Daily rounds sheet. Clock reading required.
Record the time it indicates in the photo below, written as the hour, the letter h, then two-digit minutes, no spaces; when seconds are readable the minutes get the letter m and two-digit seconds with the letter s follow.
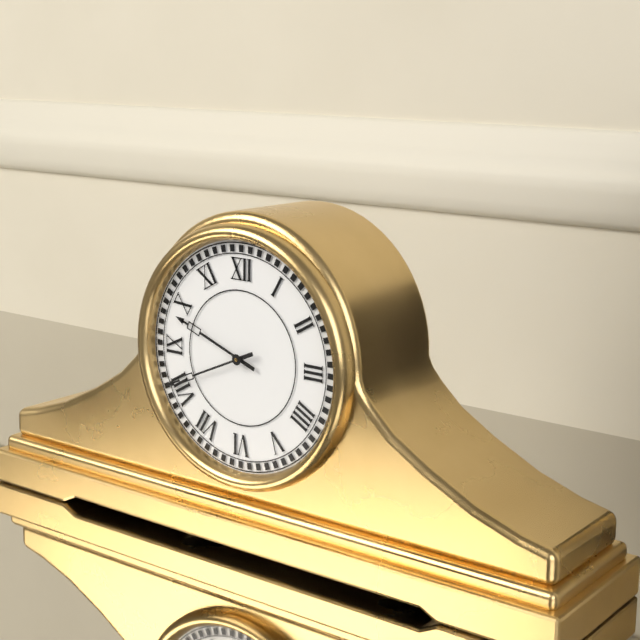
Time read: 9h41
